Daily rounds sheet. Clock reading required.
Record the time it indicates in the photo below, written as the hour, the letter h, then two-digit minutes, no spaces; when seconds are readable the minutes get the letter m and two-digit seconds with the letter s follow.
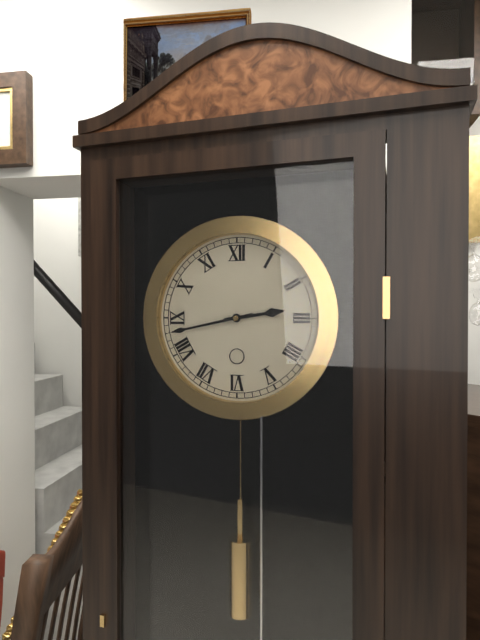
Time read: 2h43
